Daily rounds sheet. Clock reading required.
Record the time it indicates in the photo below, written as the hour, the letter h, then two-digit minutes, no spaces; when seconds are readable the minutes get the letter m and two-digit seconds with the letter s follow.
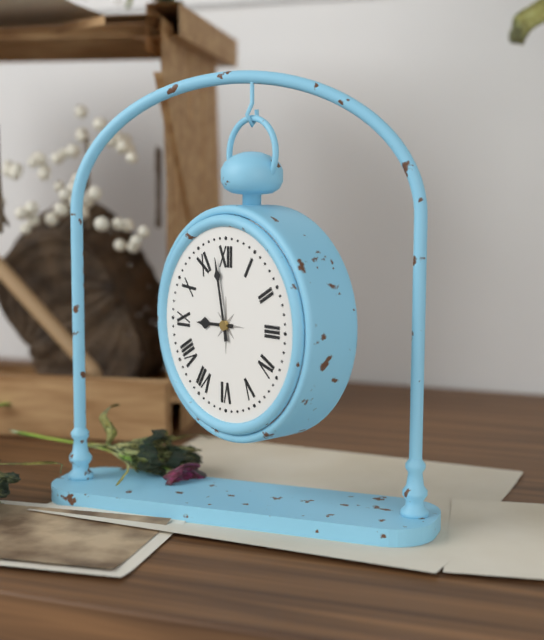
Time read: 8h58
